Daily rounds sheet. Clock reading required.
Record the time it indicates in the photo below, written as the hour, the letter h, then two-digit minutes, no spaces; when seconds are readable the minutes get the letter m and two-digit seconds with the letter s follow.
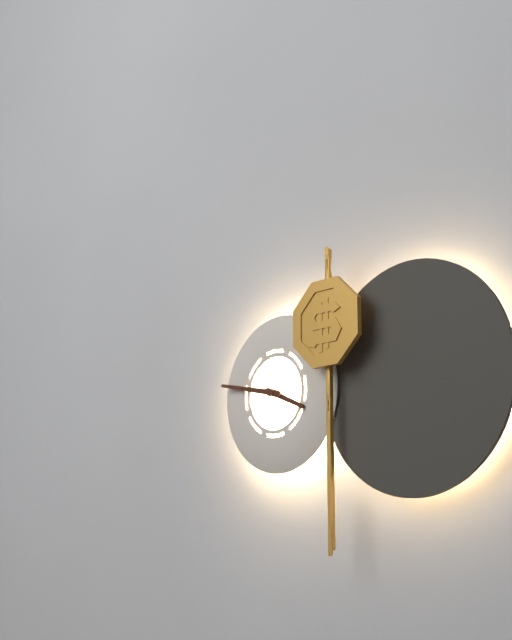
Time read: 3h47
